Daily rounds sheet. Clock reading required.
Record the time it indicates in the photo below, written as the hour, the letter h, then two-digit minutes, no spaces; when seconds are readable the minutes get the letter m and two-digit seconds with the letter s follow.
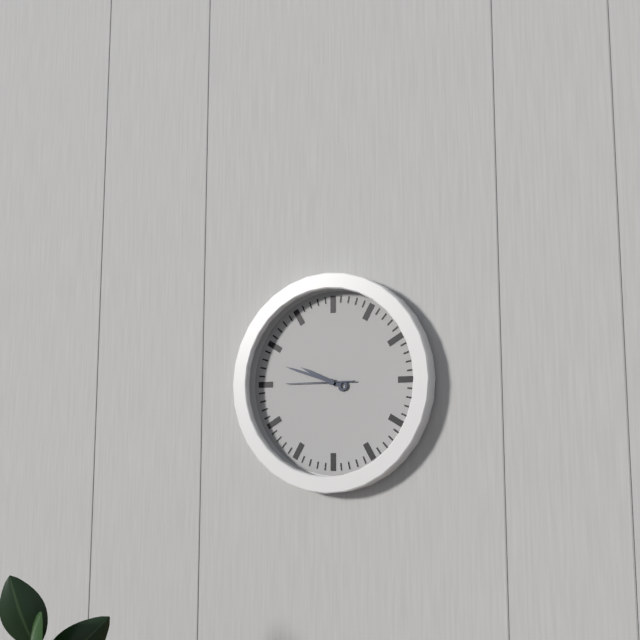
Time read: 9h48m45s
